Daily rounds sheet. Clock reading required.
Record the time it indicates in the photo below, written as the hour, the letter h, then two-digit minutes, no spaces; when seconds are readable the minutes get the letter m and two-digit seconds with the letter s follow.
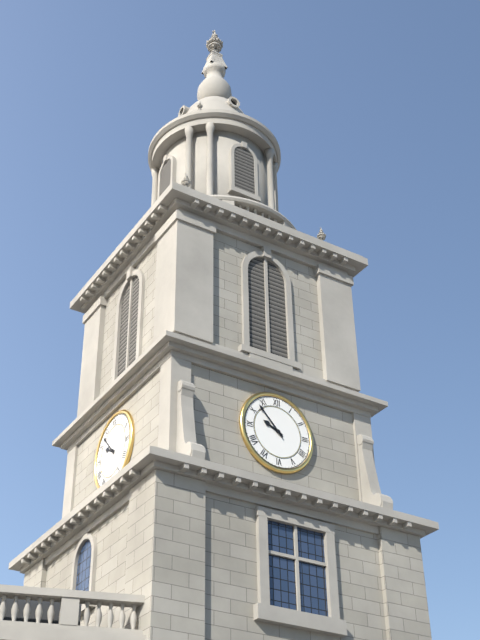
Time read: 9h53
